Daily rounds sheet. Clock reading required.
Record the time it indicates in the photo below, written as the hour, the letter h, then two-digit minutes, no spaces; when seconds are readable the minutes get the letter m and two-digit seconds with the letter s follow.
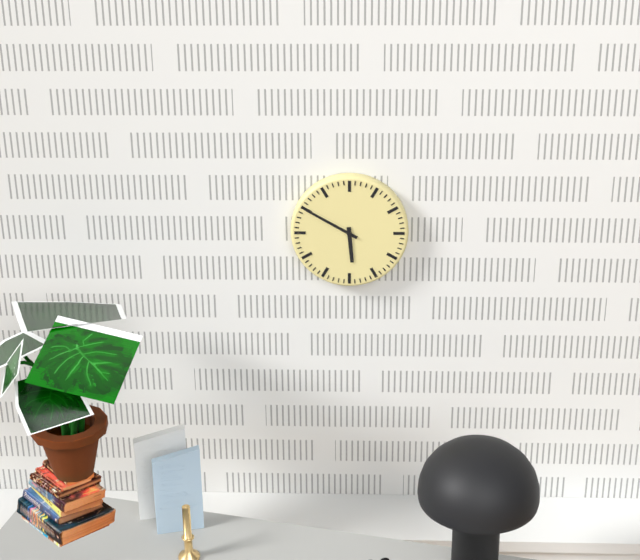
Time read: 5h50
